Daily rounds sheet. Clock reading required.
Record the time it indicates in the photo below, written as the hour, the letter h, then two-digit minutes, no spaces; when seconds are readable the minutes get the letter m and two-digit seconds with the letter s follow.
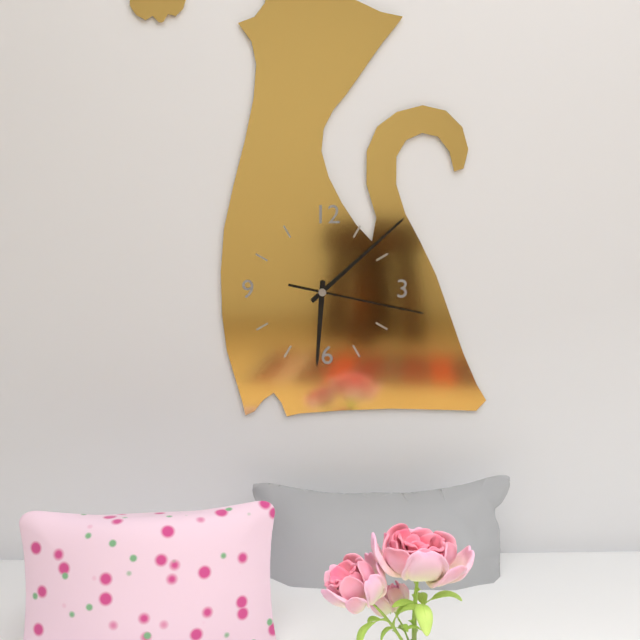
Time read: 6h08m17s
